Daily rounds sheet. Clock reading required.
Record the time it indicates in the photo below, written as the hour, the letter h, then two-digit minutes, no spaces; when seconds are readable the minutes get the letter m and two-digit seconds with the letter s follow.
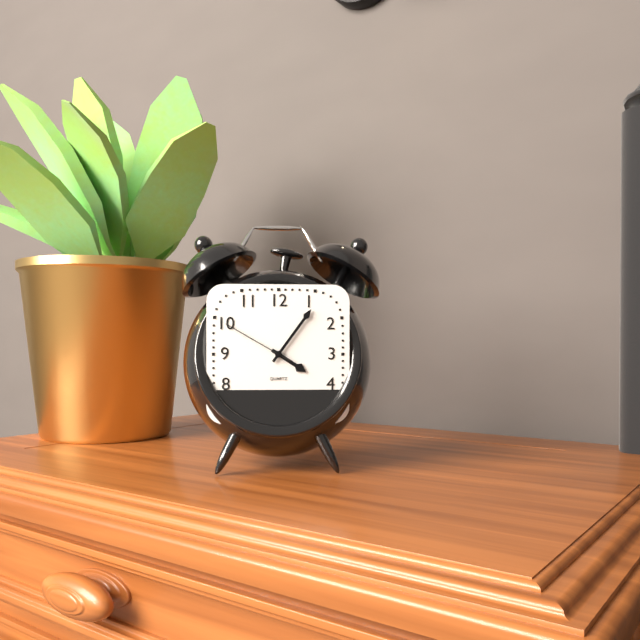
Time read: 4h06m50s
